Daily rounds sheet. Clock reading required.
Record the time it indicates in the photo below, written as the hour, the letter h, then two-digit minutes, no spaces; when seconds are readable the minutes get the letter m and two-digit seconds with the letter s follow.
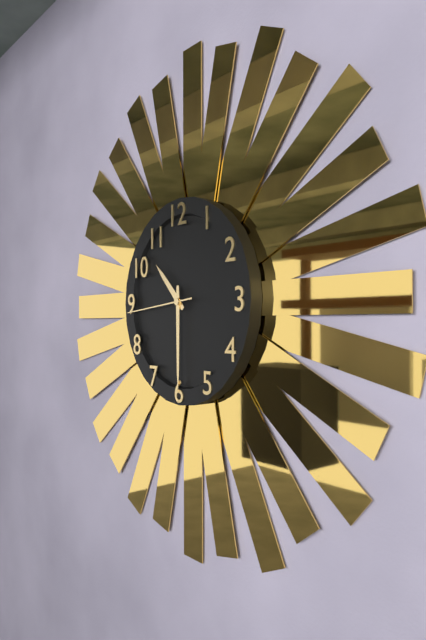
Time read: 10h30m44s
